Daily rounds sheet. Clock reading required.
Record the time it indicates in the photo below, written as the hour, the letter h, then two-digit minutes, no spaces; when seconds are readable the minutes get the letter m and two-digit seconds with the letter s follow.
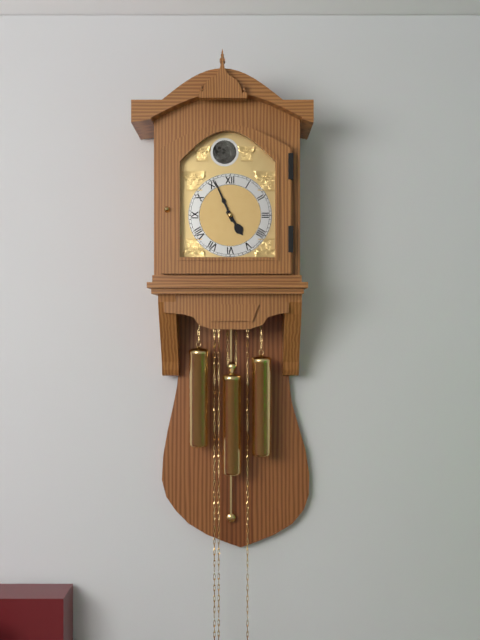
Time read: 4h56
